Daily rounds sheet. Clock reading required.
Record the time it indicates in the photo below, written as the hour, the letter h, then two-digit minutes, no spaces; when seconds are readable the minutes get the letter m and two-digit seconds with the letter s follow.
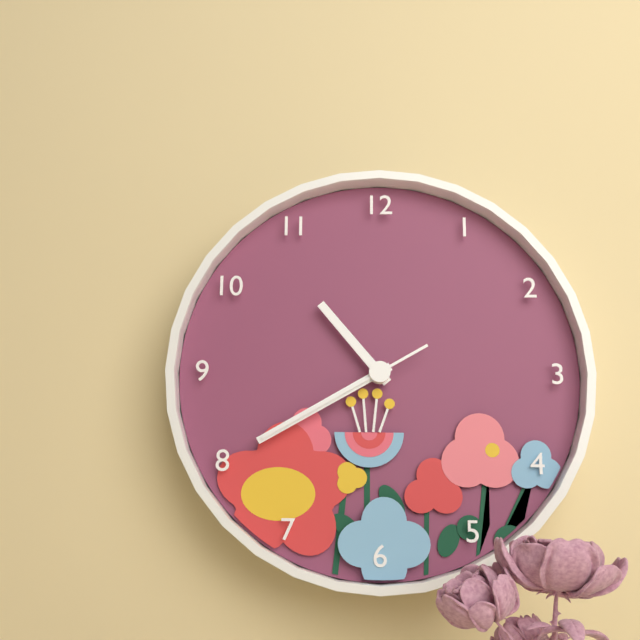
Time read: 10h40m40s
